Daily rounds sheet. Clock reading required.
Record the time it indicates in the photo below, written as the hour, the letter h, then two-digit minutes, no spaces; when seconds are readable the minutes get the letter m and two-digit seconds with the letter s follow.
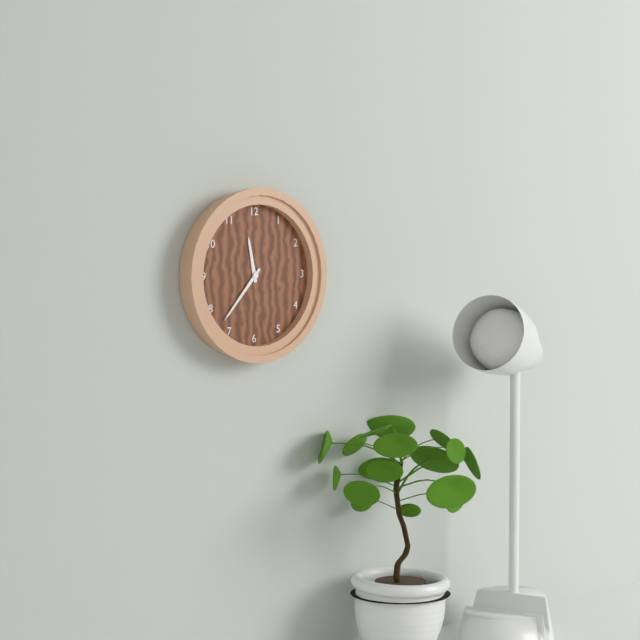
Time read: 11h37
